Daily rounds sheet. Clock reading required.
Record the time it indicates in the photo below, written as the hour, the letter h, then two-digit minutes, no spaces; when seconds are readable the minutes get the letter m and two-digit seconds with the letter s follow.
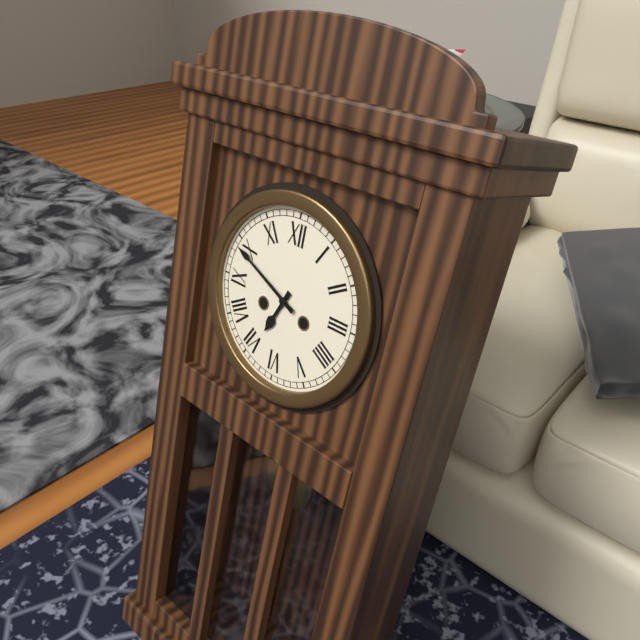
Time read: 6h49
